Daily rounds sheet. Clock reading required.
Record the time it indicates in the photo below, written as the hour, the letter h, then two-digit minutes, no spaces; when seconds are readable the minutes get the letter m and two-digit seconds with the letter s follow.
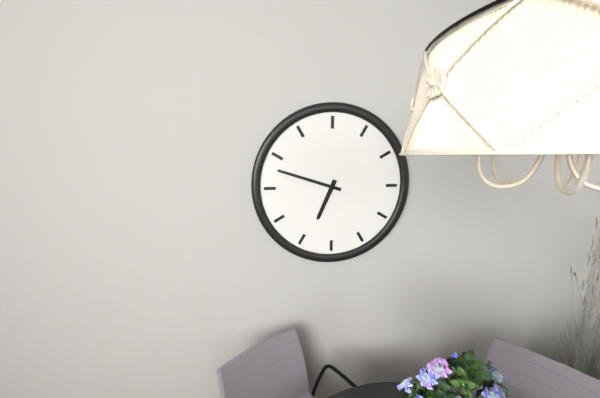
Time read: 6h48
